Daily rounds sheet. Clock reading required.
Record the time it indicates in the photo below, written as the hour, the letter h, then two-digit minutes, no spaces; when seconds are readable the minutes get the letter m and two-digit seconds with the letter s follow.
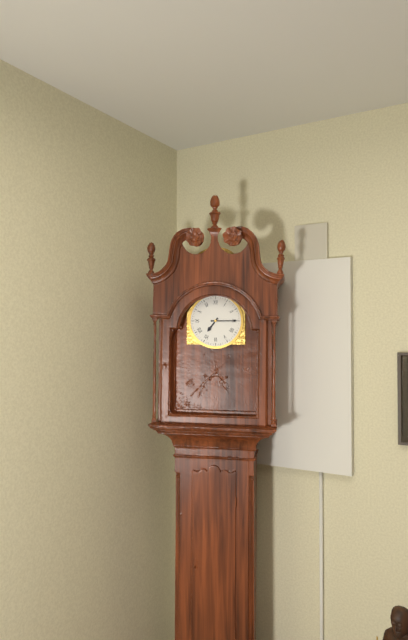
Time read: 7h15
